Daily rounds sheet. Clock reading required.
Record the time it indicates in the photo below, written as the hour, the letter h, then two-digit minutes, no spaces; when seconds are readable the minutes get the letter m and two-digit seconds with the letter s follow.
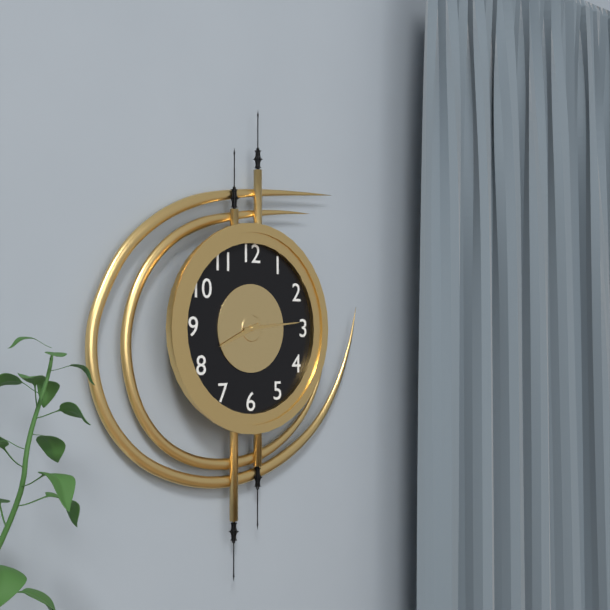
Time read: 8h14
